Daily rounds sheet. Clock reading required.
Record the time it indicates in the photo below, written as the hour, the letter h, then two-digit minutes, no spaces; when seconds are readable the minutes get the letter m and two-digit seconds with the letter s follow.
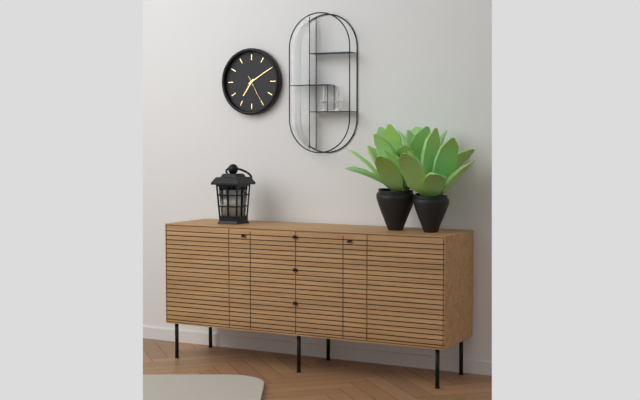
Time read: 7h10
